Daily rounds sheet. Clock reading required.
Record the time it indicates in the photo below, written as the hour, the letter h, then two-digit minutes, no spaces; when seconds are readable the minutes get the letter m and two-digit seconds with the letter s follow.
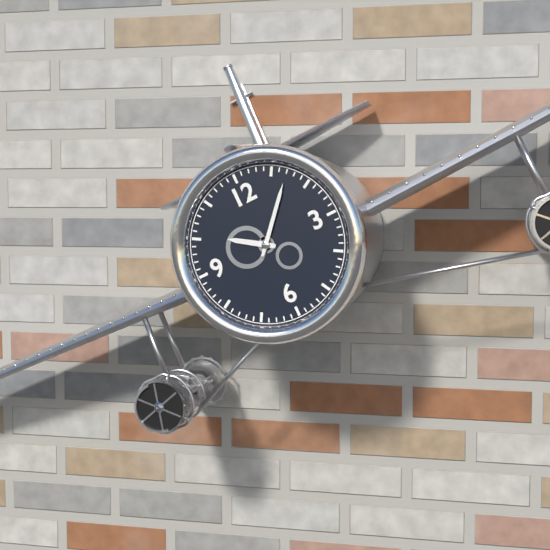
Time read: 10h07
